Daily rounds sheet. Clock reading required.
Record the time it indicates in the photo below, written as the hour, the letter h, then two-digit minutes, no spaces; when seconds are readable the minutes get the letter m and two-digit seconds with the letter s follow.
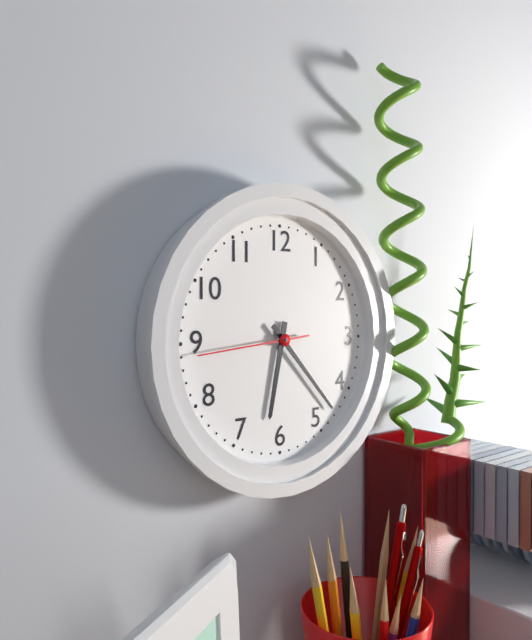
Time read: 6h23m44s
